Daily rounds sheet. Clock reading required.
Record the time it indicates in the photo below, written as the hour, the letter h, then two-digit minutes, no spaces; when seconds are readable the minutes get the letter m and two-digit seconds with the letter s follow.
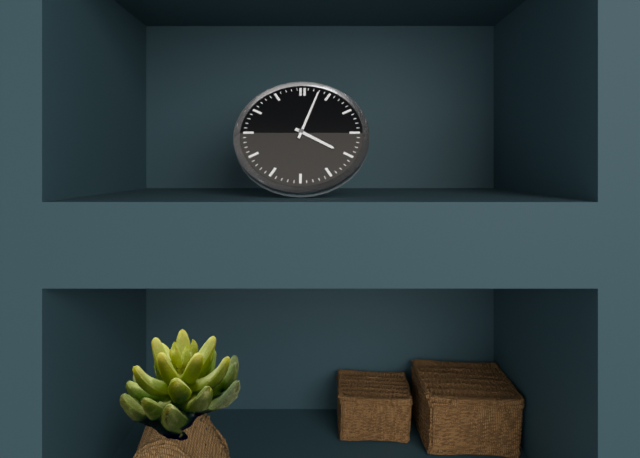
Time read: 4h03
